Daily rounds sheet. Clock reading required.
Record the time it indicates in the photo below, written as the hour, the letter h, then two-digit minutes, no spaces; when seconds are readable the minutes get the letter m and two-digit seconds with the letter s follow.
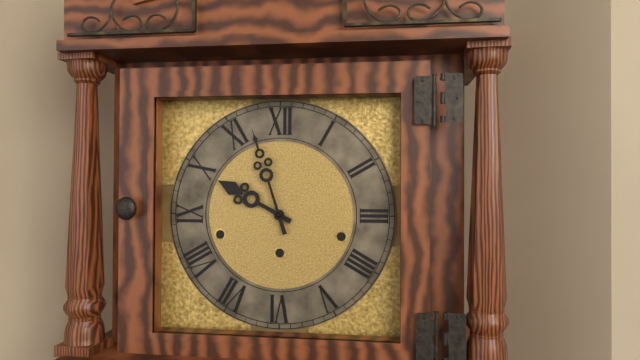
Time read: 9h57
